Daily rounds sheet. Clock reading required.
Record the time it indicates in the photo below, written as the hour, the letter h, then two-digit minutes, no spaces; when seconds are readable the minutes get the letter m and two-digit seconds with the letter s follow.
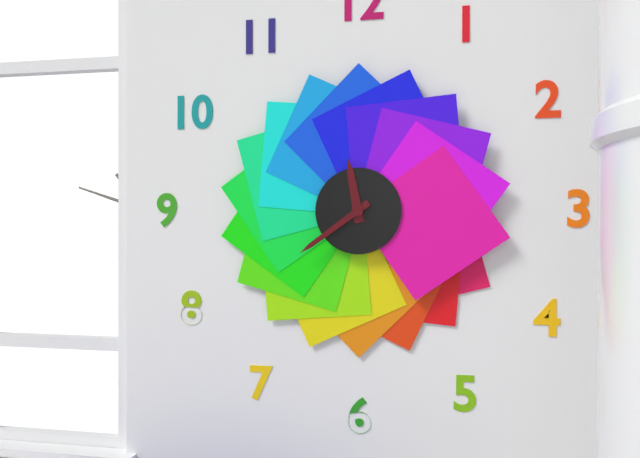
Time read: 11h39
